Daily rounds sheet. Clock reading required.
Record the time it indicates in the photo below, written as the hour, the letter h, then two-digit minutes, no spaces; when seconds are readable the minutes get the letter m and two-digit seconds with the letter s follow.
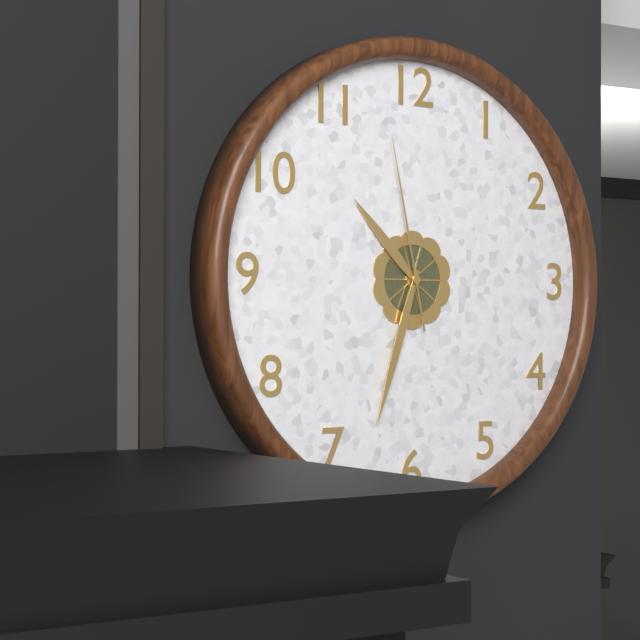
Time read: 10h33m58s
